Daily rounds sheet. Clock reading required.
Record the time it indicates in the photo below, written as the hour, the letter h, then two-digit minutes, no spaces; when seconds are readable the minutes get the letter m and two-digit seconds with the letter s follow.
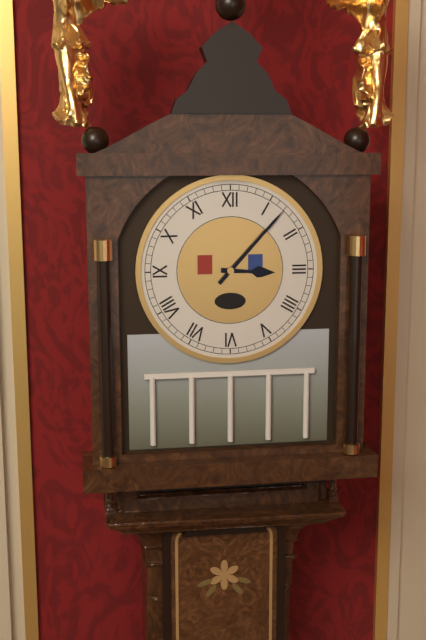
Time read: 3h07
